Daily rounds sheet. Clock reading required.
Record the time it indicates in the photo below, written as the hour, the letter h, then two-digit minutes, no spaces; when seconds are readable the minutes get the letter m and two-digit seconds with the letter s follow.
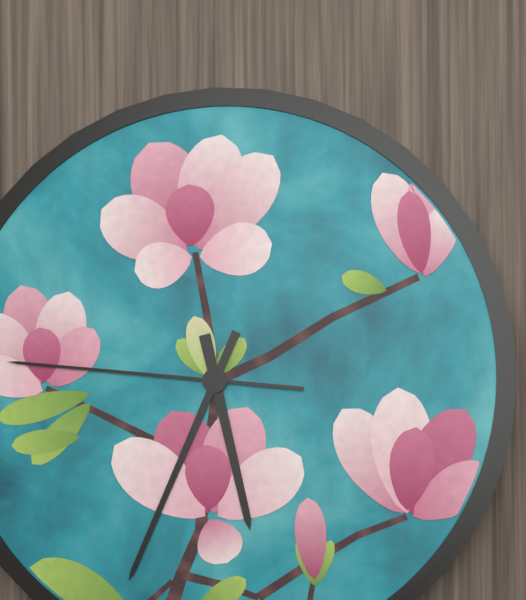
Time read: 5h34m46s
